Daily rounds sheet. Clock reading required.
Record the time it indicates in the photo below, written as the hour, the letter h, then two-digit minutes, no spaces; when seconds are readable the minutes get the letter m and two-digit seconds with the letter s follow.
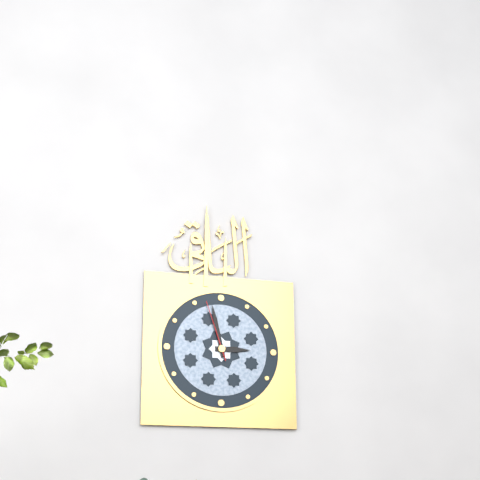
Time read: 2h58m57s
